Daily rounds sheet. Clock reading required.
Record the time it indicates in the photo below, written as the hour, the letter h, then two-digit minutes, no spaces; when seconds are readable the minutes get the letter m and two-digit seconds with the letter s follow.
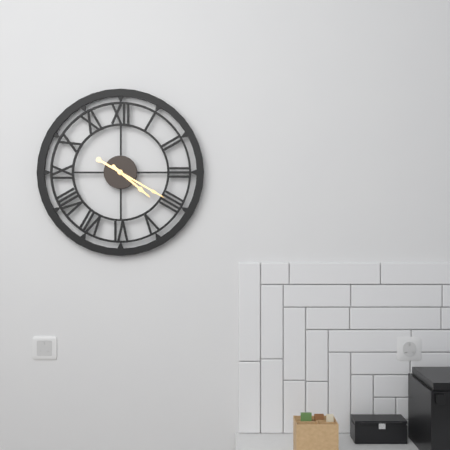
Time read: 4h20
